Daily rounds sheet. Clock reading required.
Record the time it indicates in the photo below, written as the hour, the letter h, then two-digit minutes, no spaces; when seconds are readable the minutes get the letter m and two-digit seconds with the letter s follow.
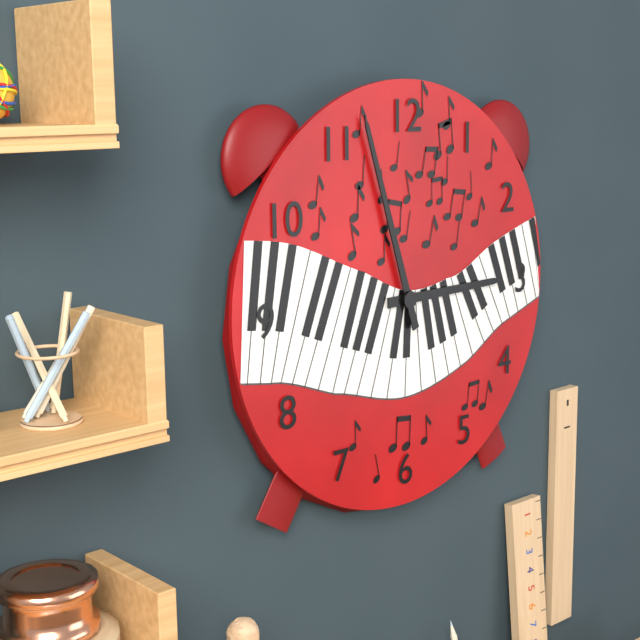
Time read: 2h57
